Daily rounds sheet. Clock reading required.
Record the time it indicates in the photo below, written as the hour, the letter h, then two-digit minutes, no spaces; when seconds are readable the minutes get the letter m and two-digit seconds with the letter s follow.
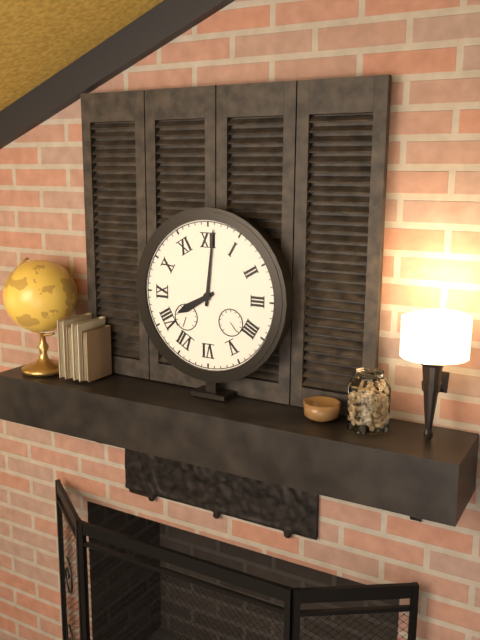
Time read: 8h01
